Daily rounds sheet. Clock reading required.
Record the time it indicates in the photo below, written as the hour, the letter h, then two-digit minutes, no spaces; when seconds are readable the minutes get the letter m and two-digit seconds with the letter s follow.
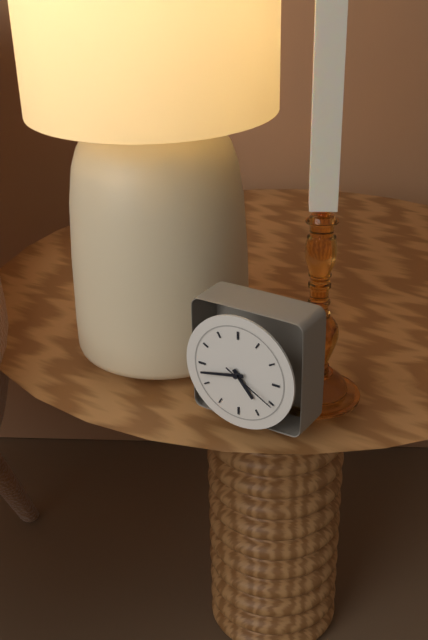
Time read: 4h43m20s
